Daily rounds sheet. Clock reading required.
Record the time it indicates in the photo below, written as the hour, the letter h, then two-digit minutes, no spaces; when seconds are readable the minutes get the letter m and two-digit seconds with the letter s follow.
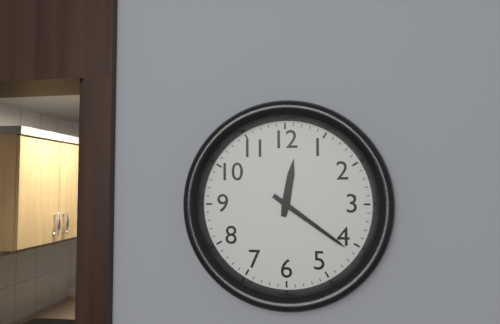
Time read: 12h21
